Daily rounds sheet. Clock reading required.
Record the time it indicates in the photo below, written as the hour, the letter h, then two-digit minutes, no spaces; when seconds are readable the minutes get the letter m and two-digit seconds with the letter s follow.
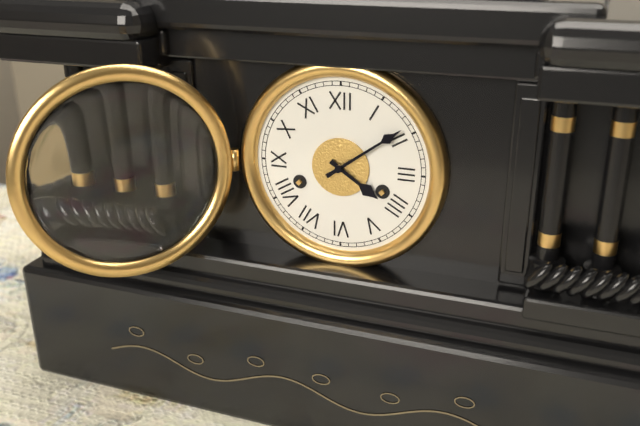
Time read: 4h09
